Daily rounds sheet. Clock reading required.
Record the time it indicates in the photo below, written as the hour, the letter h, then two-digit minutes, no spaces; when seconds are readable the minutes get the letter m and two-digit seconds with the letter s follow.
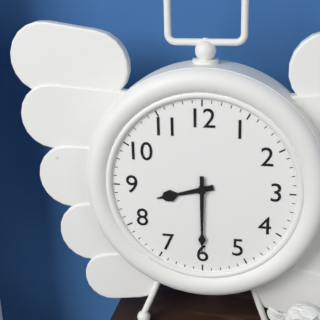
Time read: 8h30
